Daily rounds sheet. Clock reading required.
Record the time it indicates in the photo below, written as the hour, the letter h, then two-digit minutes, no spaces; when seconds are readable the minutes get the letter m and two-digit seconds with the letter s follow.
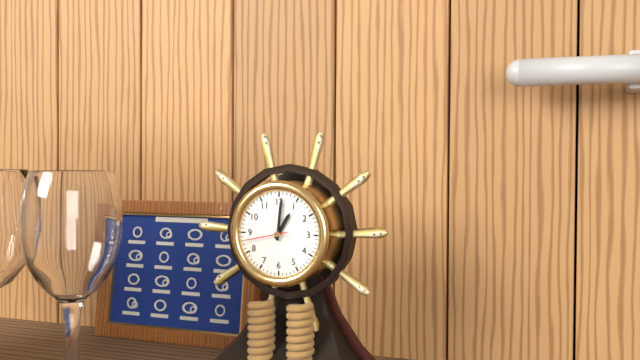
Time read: 1h01
